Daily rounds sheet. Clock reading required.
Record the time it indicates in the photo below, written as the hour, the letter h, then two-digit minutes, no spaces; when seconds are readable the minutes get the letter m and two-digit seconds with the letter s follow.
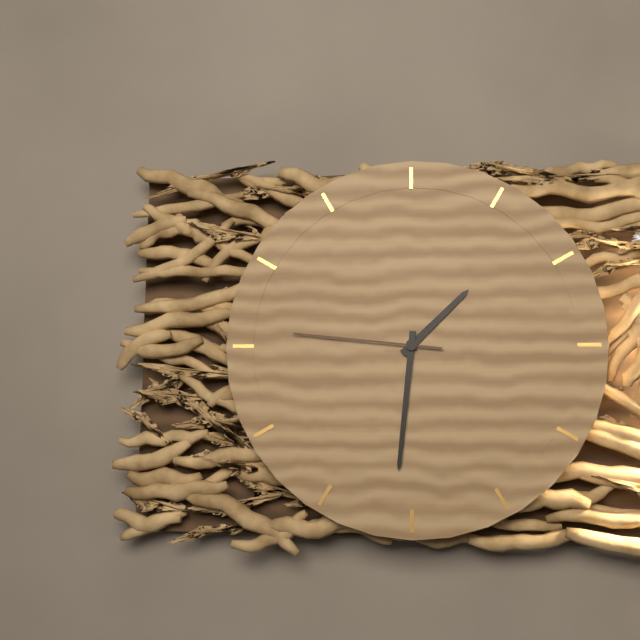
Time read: 1h31m46s
